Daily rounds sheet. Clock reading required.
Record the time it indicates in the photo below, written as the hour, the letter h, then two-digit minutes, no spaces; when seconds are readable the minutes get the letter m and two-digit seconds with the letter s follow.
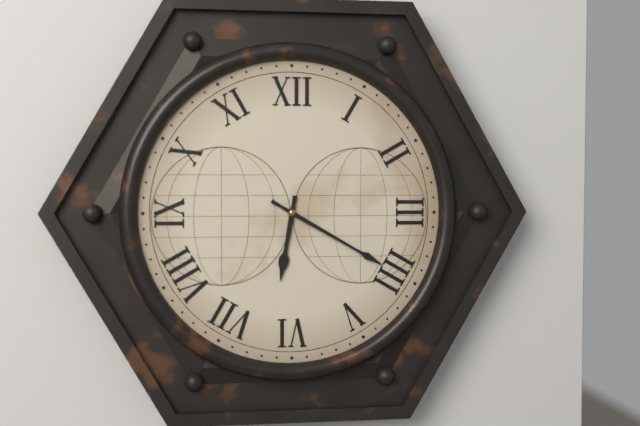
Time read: 6h20
